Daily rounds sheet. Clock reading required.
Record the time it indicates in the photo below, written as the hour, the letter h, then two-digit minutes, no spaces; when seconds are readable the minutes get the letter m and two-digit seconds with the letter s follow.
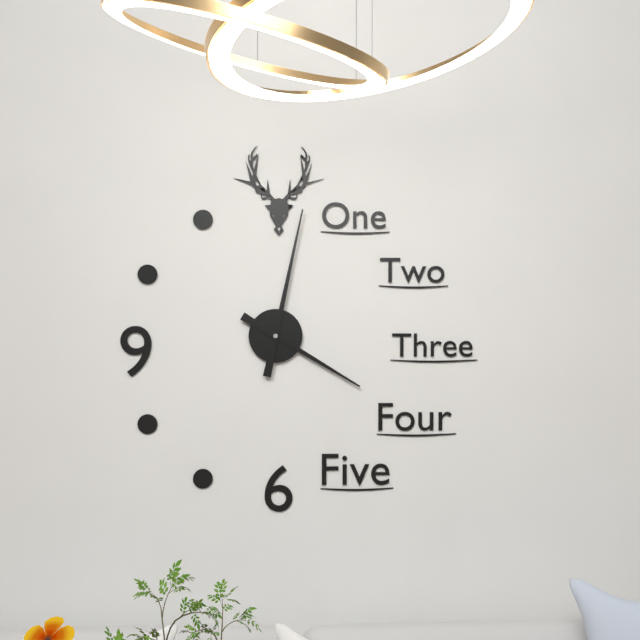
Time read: 4h02
